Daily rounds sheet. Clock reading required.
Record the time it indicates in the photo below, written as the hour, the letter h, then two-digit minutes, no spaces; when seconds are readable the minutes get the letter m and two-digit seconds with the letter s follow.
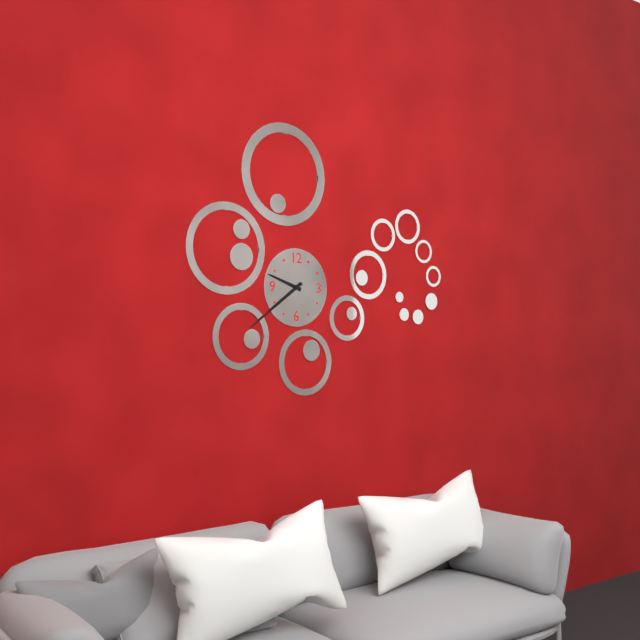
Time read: 9h39
